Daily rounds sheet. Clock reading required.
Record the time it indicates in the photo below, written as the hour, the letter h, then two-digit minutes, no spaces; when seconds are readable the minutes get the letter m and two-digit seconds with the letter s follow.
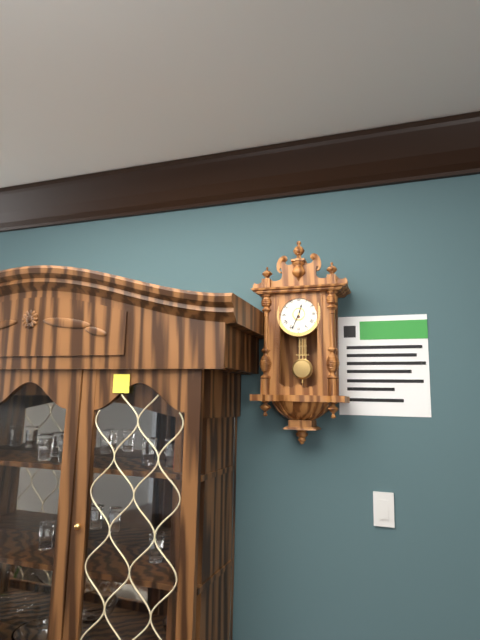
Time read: 12h34
